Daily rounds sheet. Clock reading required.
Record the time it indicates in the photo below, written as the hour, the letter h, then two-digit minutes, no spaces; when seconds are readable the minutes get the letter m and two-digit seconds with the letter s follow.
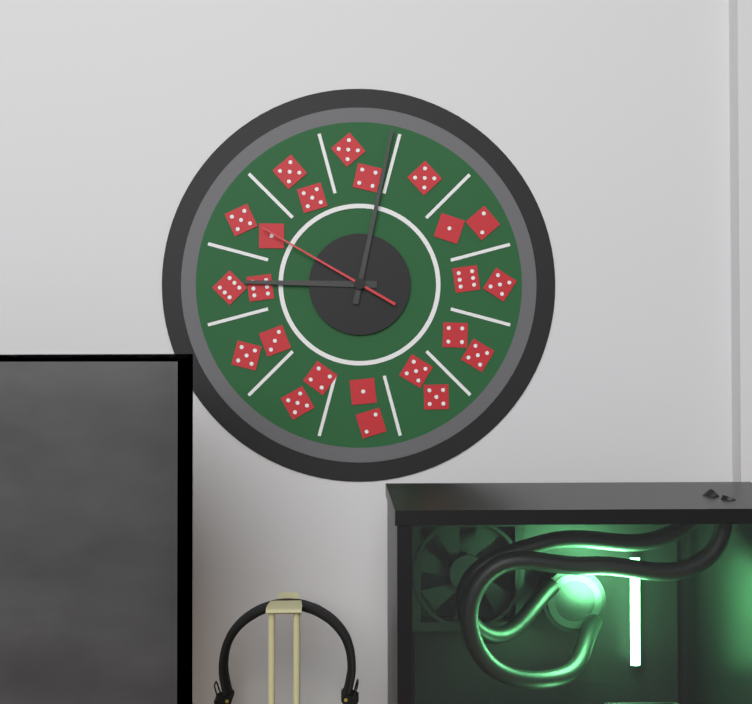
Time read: 9h02m50s
